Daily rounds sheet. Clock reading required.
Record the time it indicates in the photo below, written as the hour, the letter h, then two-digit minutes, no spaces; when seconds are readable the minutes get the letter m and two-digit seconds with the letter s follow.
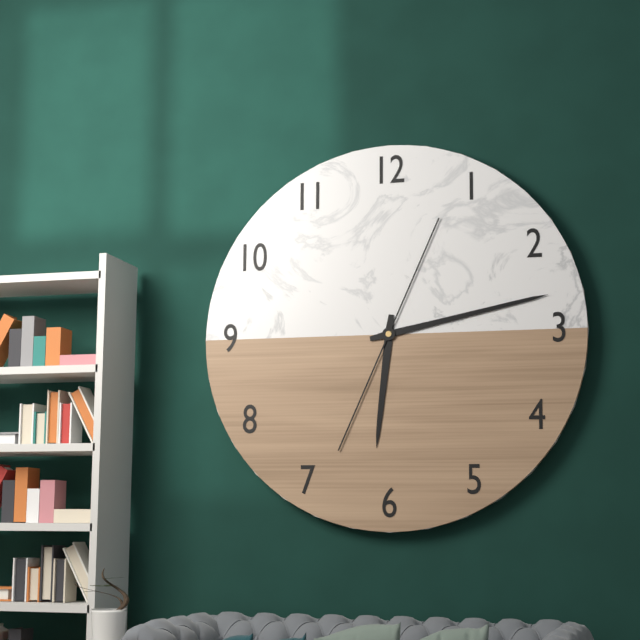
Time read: 6h13
